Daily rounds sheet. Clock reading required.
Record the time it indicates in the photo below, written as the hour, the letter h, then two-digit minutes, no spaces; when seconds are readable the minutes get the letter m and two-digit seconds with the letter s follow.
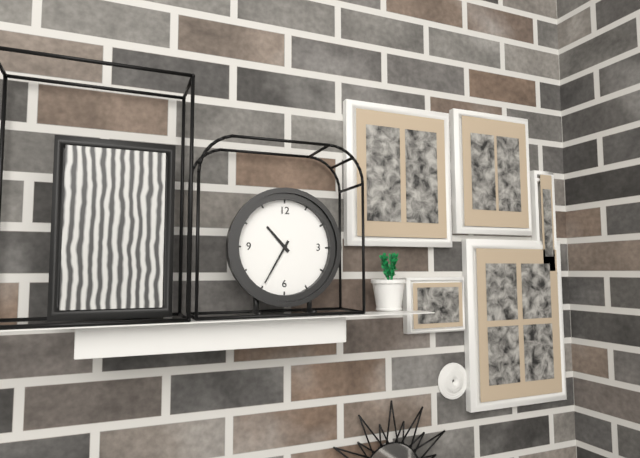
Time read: 10h35
